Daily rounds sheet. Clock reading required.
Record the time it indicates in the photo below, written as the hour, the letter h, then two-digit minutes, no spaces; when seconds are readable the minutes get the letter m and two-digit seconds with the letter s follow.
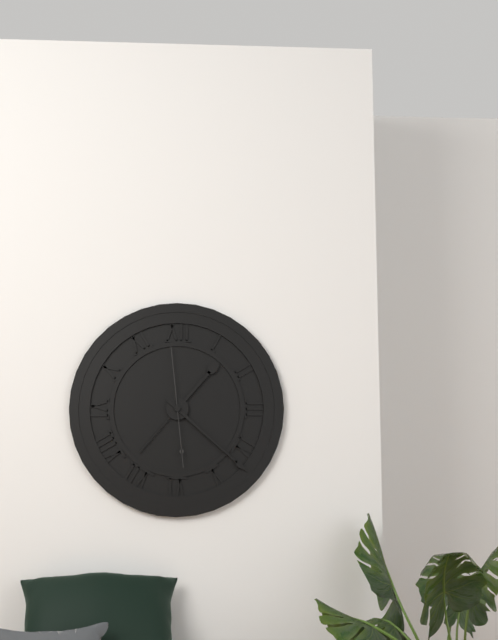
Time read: 1h22m59s
